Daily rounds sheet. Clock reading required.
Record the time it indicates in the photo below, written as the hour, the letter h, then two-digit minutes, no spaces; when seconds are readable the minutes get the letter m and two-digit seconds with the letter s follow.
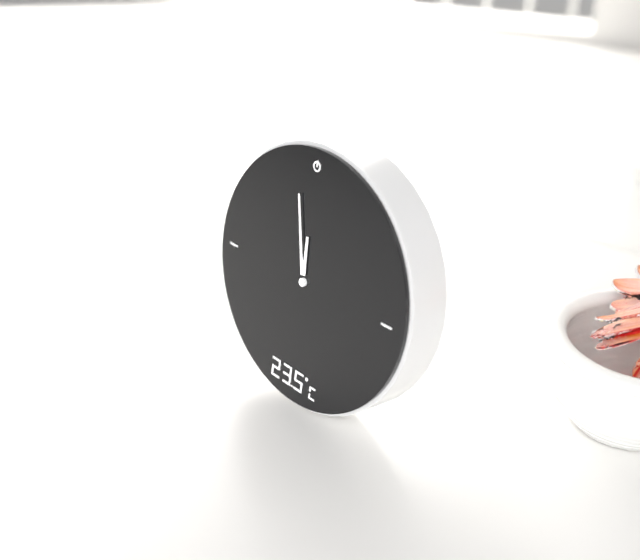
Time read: 11h58
